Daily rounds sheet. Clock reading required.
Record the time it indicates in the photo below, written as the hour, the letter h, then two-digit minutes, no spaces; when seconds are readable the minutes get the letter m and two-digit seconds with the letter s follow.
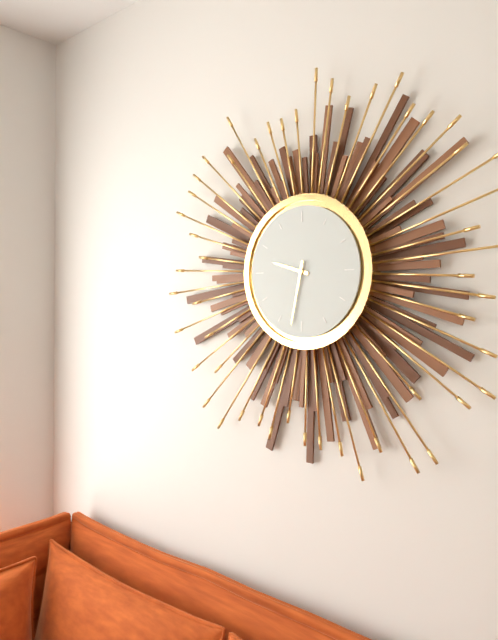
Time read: 9h32
